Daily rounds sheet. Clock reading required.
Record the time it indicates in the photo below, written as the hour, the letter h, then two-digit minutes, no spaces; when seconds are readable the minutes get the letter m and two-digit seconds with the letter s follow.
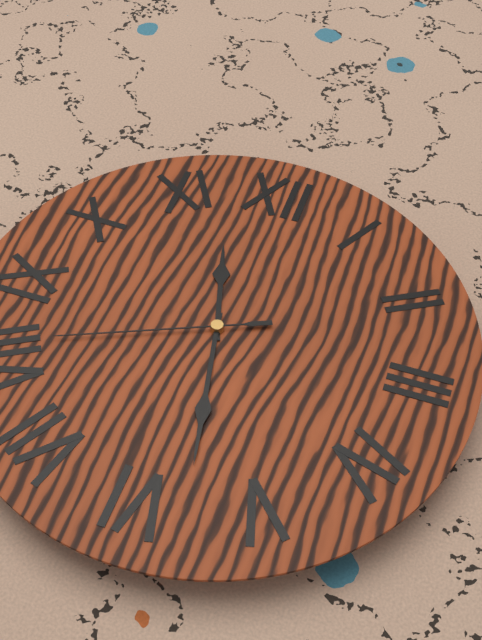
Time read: 11h28m41s
